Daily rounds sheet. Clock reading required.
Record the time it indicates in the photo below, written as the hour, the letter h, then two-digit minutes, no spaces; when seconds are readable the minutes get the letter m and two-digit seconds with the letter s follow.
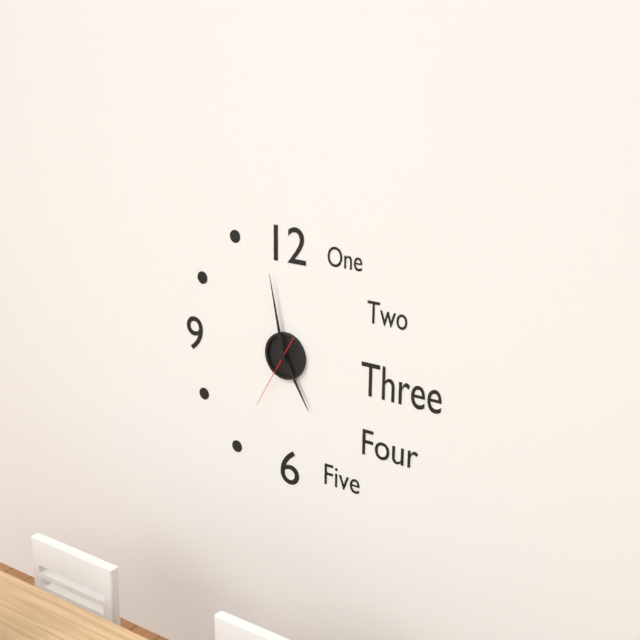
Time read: 4h58m35s
